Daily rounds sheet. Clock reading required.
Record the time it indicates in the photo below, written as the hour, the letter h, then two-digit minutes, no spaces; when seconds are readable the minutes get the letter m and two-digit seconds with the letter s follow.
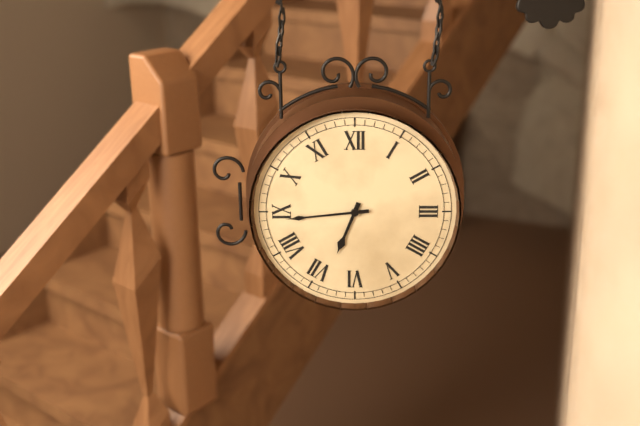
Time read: 6h44
